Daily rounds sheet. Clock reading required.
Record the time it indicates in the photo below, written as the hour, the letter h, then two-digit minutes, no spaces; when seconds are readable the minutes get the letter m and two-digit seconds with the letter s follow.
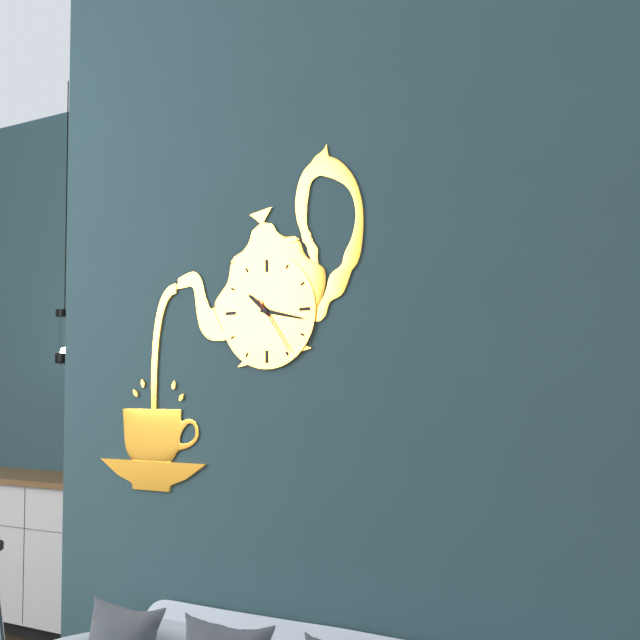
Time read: 10h17m24s
